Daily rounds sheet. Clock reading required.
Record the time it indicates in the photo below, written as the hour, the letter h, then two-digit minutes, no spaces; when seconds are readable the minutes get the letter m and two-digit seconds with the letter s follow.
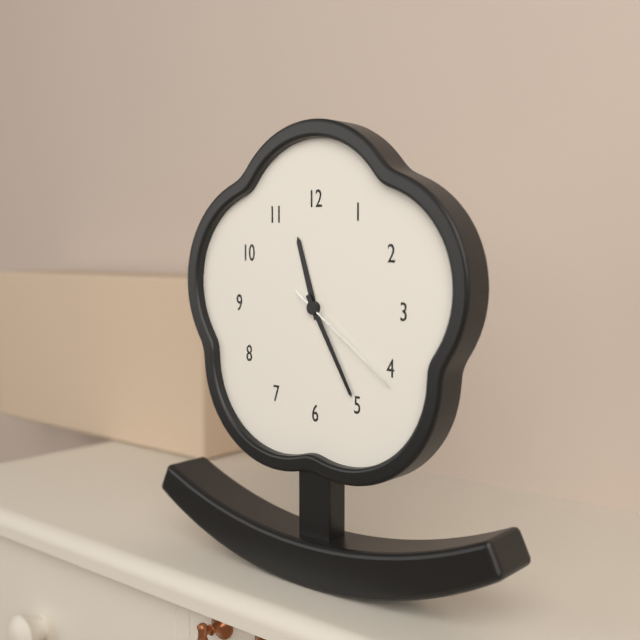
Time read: 11h25m21s
